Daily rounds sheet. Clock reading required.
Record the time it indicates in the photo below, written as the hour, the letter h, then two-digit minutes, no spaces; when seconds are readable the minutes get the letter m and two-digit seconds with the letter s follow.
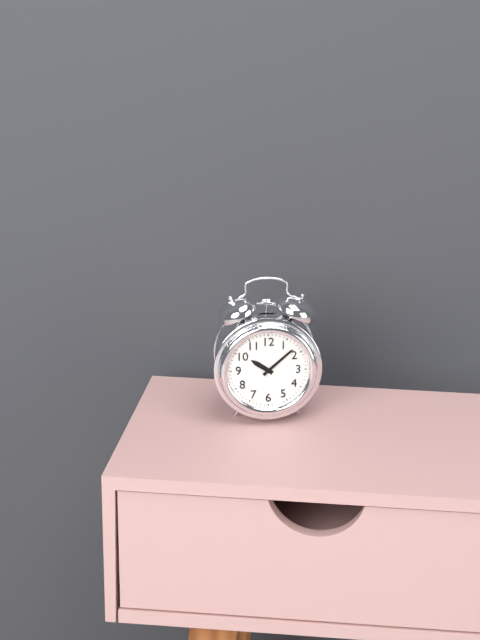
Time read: 10h08
